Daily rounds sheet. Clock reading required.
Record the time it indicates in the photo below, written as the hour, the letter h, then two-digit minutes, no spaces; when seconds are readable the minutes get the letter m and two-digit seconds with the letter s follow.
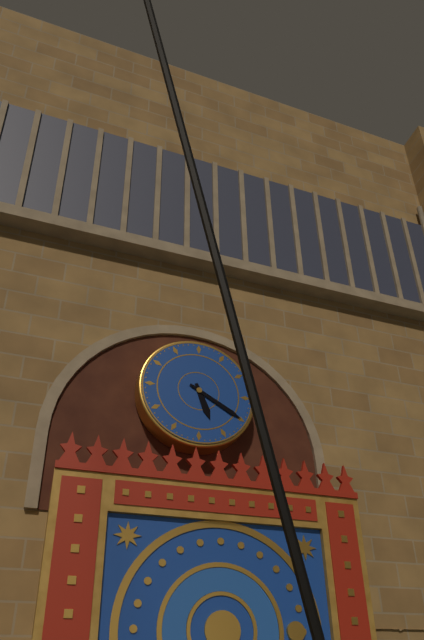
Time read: 5h20
